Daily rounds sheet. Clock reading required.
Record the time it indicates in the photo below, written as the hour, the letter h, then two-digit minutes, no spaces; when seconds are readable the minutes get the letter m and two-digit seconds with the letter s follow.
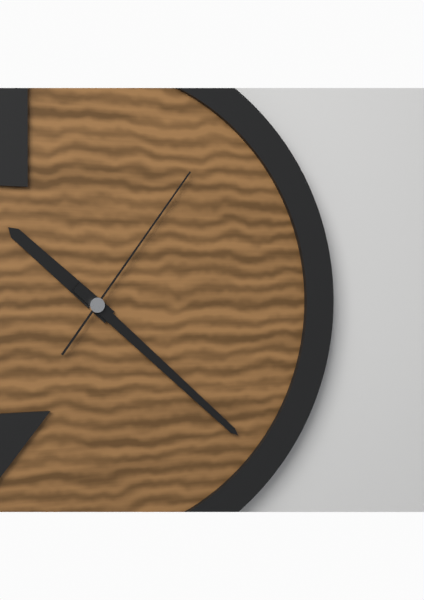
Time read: 10h22m06s
